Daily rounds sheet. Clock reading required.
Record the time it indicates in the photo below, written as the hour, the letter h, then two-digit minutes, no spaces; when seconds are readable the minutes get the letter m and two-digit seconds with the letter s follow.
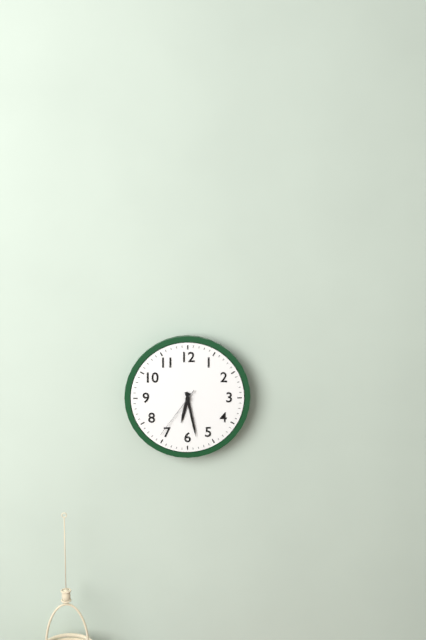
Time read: 6h28m36s
